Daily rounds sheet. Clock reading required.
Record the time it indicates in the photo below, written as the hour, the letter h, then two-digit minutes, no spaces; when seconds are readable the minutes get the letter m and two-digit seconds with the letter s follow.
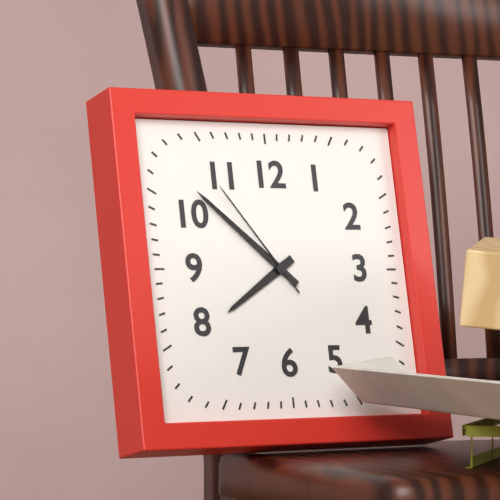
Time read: 7h52m54s
